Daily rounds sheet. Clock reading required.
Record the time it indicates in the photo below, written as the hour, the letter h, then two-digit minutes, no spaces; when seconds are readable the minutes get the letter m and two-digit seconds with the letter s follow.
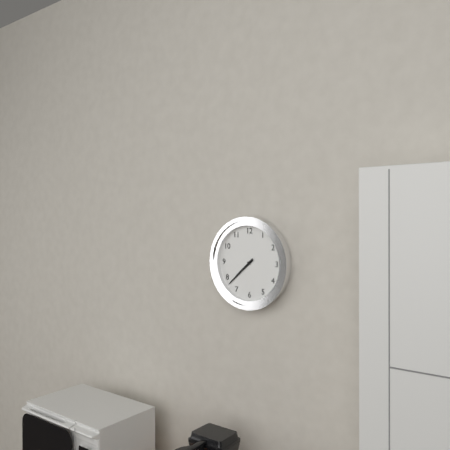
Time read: 7h38
